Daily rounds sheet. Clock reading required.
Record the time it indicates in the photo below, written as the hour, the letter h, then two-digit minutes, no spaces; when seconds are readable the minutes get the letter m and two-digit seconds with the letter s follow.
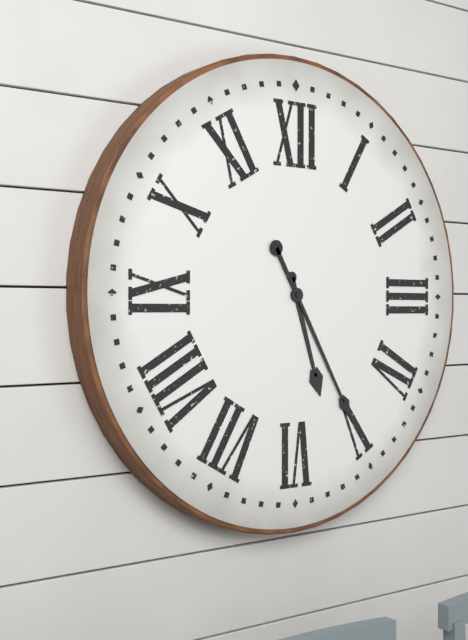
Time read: 5h25
